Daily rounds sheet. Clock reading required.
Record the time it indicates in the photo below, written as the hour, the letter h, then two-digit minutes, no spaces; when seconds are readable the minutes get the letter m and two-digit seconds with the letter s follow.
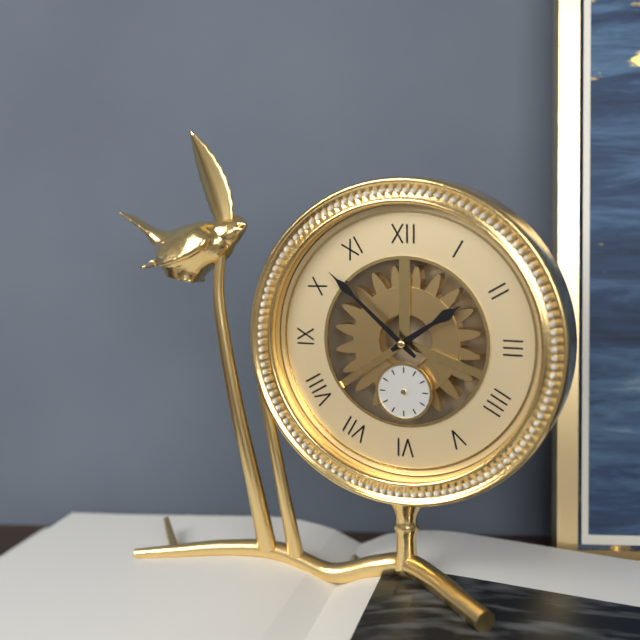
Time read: 1h52
